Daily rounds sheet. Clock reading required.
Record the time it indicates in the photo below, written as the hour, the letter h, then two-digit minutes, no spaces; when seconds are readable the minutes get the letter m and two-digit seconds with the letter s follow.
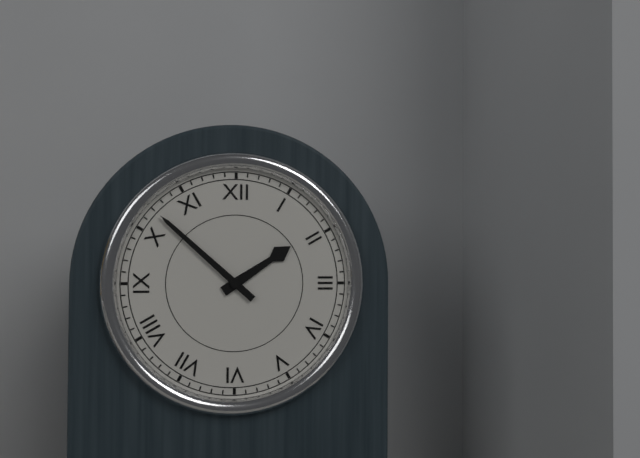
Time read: 1h52
